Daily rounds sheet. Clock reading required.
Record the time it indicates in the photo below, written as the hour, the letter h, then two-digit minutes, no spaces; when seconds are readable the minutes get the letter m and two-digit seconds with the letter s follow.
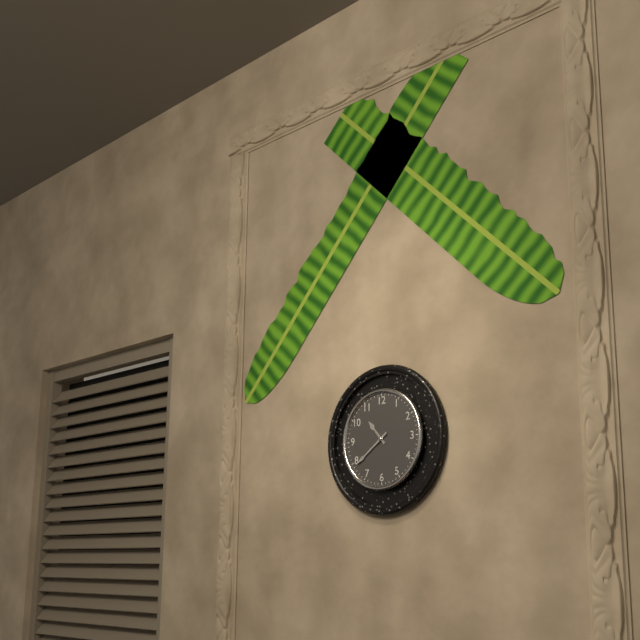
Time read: 10h39
